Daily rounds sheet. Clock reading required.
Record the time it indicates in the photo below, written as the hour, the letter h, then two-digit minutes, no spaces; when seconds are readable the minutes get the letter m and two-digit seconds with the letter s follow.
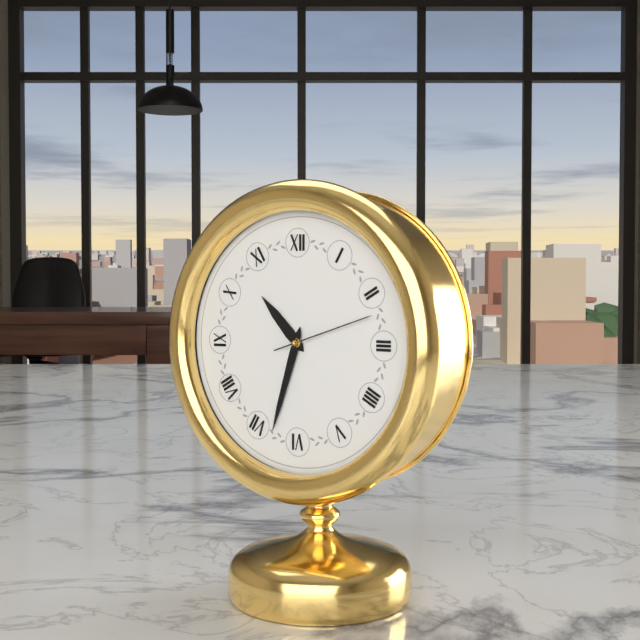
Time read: 10h33m12s
